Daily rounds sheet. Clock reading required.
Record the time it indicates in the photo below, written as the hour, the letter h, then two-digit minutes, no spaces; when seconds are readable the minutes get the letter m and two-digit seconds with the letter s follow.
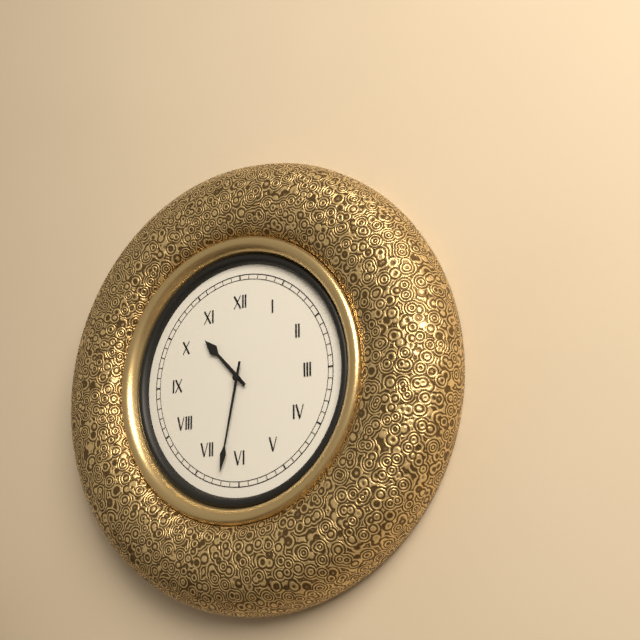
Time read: 10h32
